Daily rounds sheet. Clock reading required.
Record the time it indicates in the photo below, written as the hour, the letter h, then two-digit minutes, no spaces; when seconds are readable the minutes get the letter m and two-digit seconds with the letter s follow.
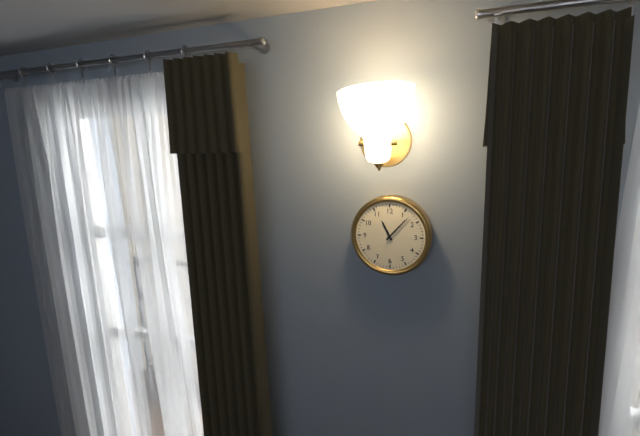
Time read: 11h07
